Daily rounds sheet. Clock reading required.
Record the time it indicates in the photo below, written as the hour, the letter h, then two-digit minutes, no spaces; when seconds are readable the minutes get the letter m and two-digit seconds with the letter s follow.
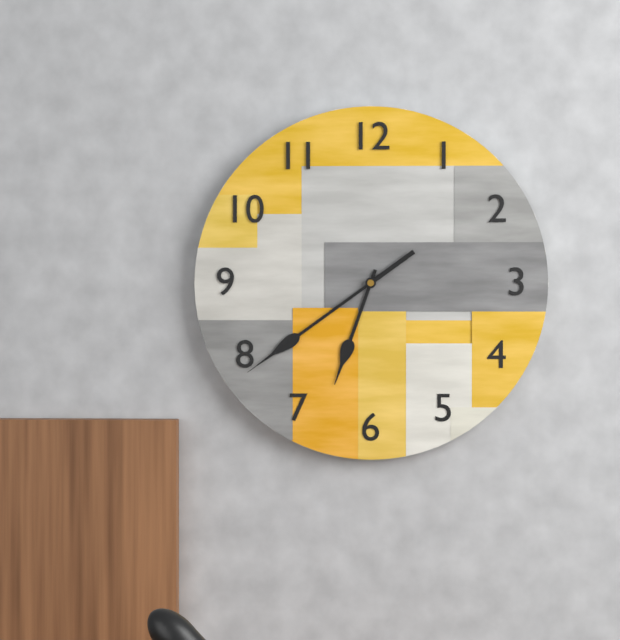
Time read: 6h39m39s
